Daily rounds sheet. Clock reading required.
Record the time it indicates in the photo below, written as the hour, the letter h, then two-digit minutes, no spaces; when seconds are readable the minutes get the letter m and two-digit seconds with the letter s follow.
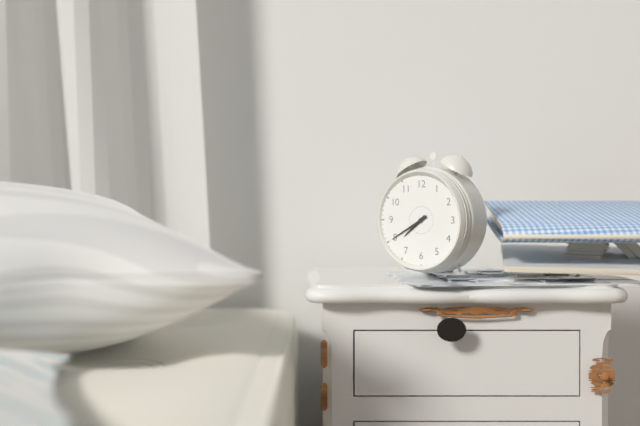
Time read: 7h40
